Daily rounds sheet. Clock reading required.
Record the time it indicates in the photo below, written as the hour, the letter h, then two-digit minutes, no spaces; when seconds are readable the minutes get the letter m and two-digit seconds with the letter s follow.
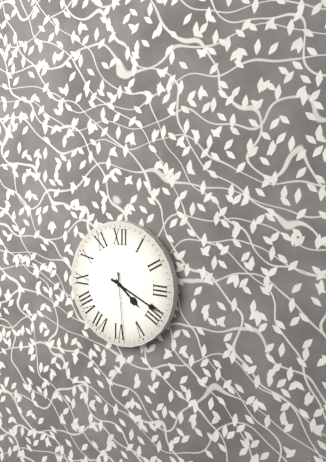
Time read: 4h19m29s
